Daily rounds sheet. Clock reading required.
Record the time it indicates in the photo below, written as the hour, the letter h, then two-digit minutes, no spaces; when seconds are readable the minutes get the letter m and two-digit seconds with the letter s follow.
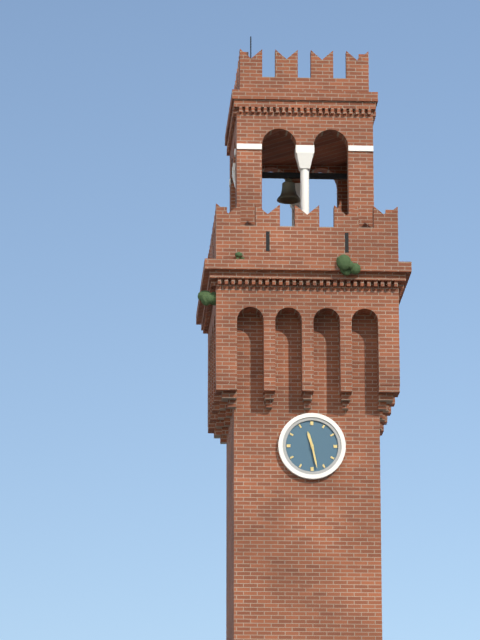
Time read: 11h28
